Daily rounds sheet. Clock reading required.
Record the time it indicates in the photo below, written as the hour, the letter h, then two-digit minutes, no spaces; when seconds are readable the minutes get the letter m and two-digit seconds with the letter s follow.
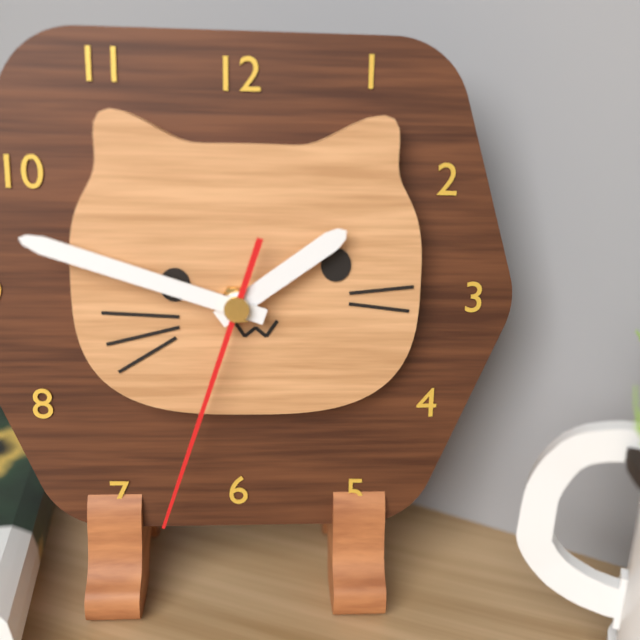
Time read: 1h48m33s
